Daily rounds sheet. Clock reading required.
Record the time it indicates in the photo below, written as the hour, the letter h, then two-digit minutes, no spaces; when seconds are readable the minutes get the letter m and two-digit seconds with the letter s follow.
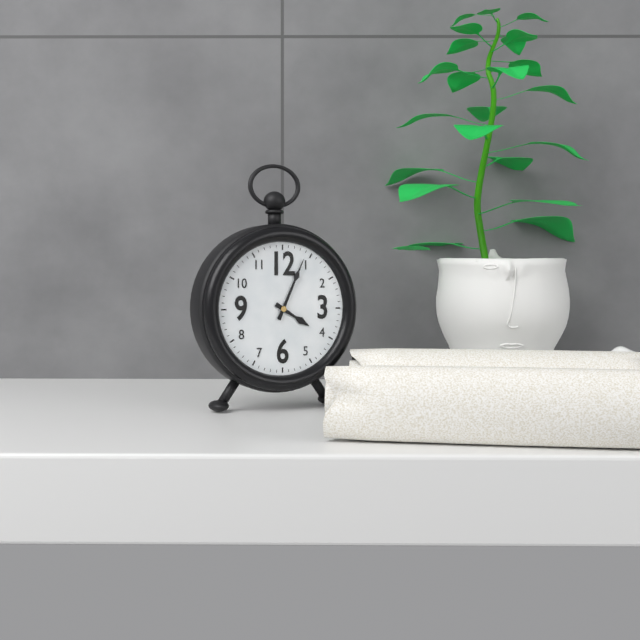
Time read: 4h04
